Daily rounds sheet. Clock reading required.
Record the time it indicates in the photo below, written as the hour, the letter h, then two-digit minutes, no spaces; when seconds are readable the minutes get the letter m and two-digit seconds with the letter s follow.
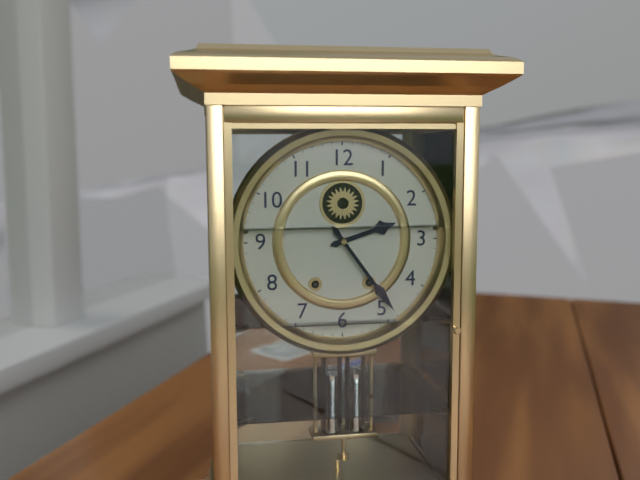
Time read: 2h24
